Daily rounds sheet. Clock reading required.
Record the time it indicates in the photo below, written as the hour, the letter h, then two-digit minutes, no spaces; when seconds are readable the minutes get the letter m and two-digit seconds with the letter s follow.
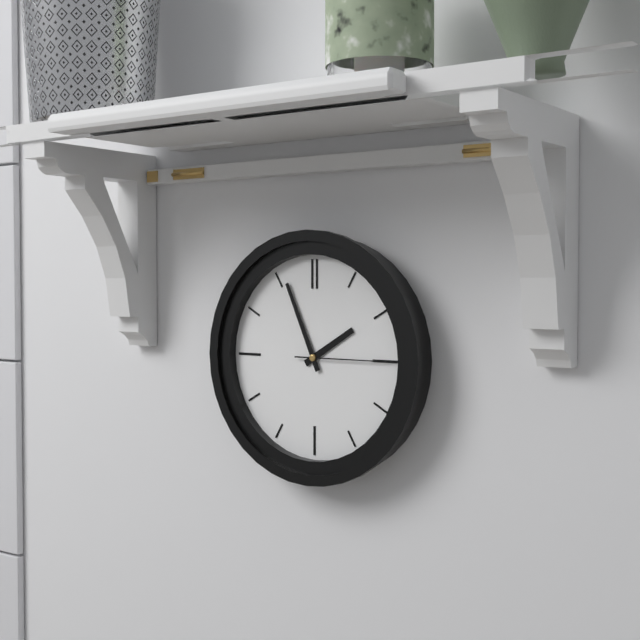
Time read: 1h56m15s
